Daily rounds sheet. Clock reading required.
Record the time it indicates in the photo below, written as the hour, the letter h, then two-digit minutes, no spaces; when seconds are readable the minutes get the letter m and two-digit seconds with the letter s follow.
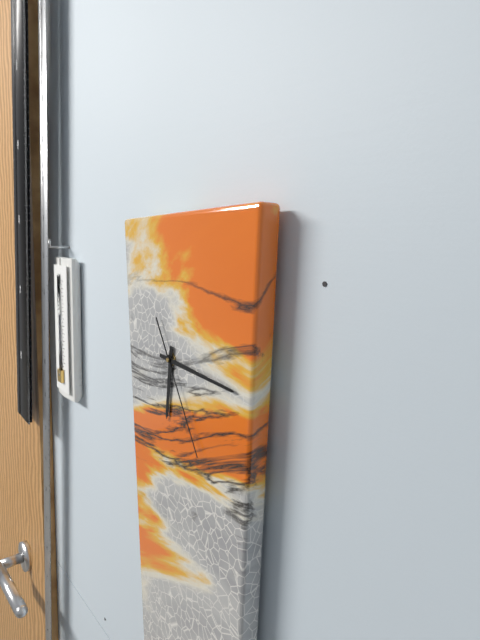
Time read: 6h16m25s
